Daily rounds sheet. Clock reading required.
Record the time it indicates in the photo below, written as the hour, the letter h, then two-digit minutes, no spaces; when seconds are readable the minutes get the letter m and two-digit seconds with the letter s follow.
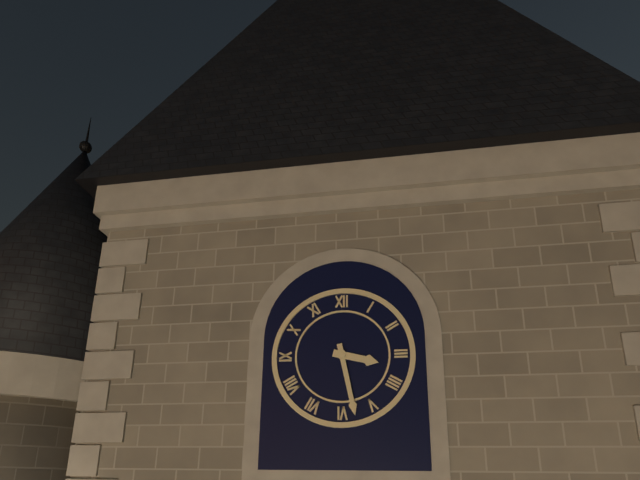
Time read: 3h28
